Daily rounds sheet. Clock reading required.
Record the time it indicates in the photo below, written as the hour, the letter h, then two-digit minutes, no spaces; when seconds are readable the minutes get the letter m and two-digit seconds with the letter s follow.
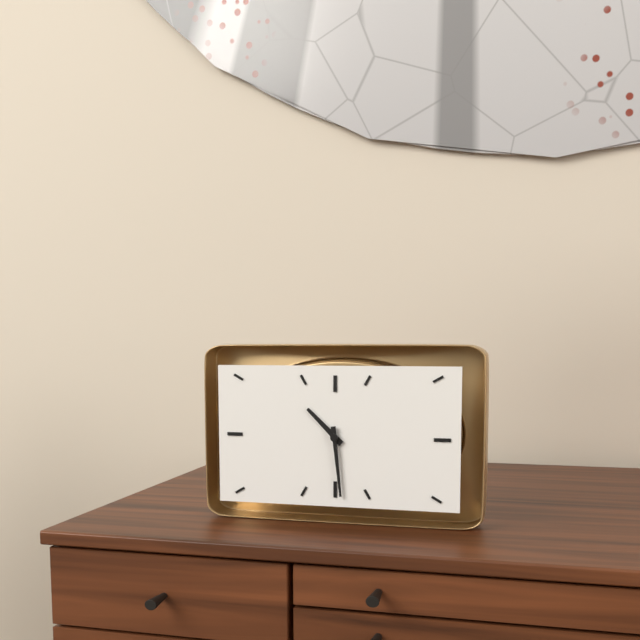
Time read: 10h29
